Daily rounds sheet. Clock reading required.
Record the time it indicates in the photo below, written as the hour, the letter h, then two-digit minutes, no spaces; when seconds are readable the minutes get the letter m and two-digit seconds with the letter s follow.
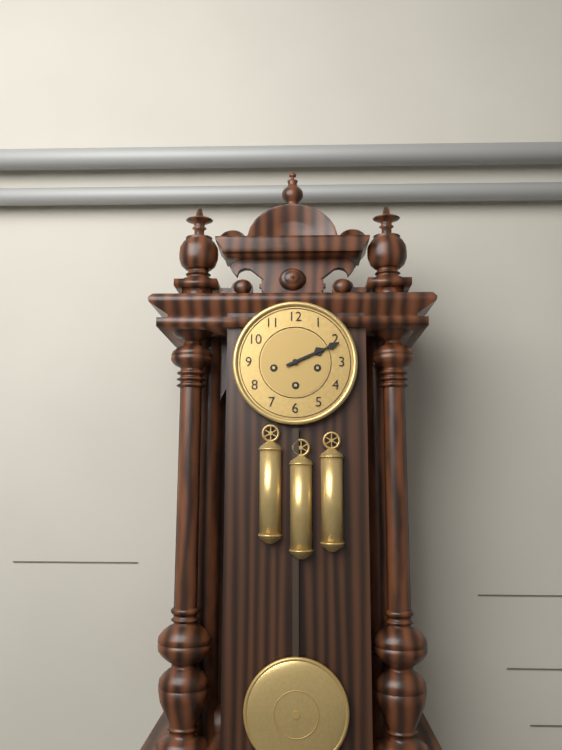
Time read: 2h11
